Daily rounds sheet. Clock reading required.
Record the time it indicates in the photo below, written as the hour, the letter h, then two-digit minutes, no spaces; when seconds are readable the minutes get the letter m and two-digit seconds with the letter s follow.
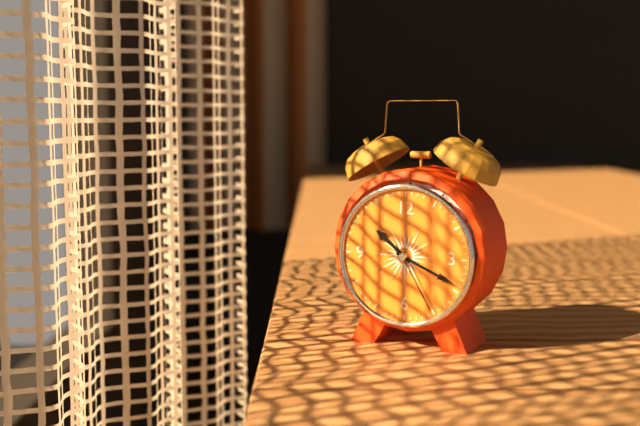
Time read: 10h19m25s
